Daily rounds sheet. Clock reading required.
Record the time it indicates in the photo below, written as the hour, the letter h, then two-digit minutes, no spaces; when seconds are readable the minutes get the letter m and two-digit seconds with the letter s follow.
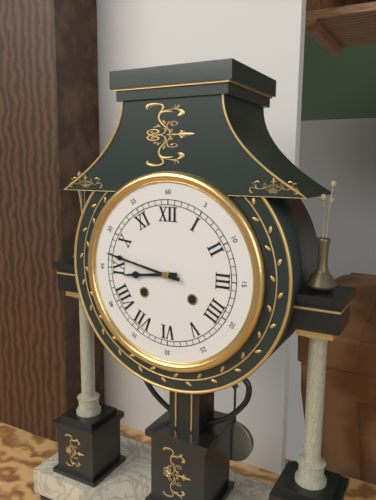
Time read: 8h47
